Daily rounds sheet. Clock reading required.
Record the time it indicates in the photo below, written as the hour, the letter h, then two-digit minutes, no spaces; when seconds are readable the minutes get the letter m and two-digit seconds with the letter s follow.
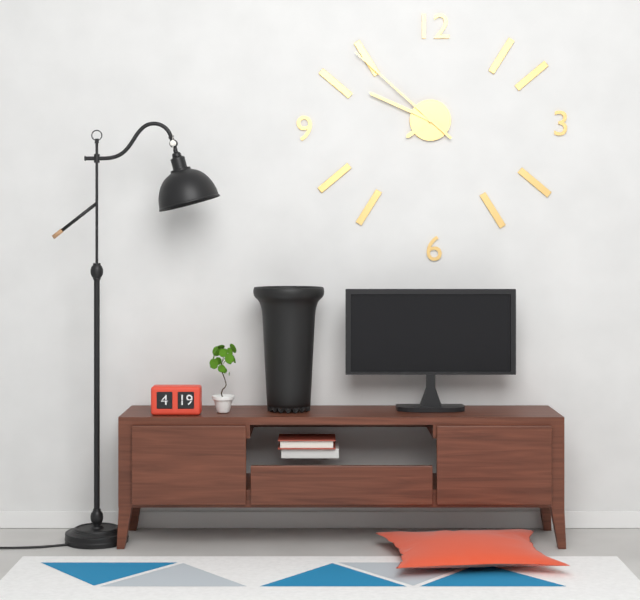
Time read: 7h49m52s
